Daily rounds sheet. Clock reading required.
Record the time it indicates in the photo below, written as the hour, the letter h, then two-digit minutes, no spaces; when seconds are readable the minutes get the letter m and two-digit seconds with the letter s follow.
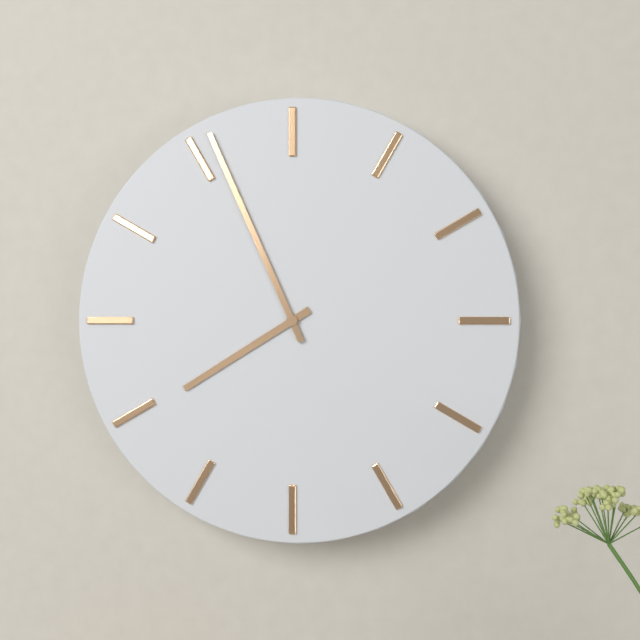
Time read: 7h56
